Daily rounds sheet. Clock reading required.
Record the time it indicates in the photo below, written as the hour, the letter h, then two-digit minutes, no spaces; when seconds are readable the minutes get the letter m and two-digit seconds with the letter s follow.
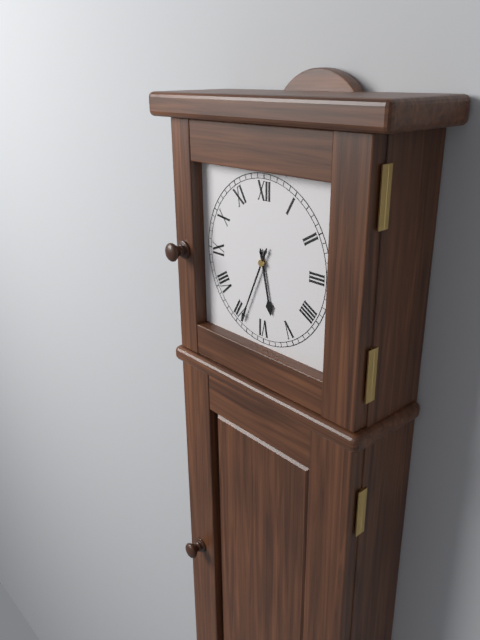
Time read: 5h34
